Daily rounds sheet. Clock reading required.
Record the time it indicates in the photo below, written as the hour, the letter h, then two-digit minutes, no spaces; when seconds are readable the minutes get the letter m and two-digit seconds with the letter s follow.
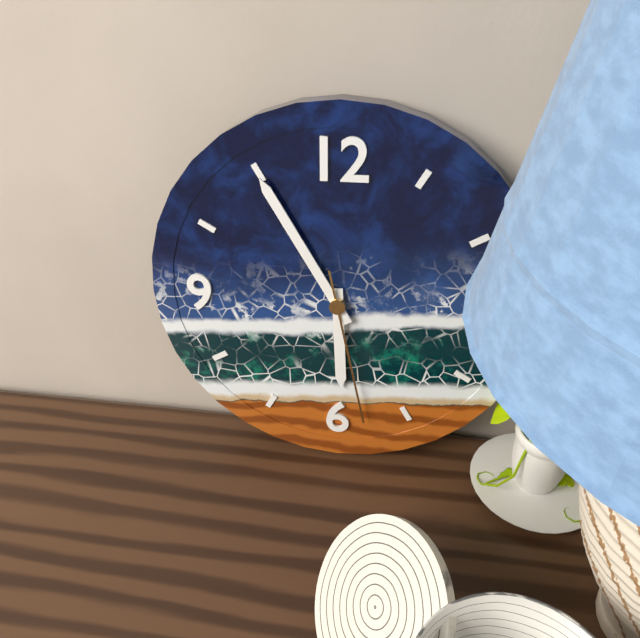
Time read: 5h55m28s
